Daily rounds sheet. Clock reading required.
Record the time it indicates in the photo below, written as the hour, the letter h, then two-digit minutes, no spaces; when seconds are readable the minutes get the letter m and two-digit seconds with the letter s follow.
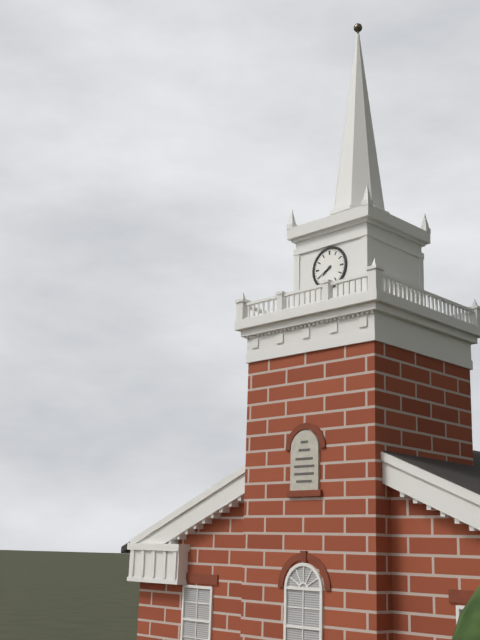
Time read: 7h40
